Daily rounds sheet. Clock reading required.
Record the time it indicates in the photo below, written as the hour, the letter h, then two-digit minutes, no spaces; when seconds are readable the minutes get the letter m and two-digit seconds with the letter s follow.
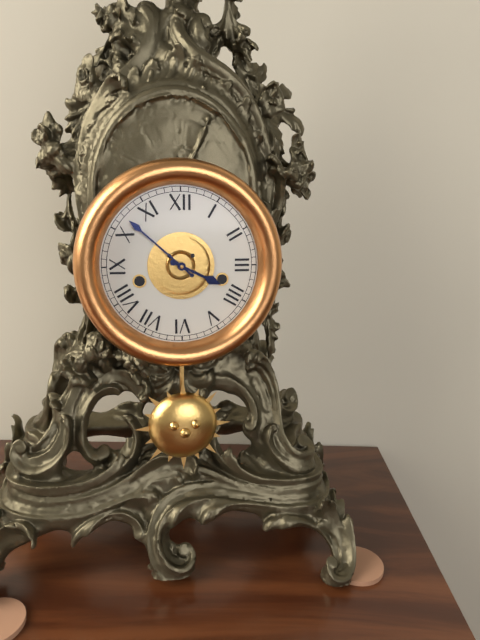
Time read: 3h52
